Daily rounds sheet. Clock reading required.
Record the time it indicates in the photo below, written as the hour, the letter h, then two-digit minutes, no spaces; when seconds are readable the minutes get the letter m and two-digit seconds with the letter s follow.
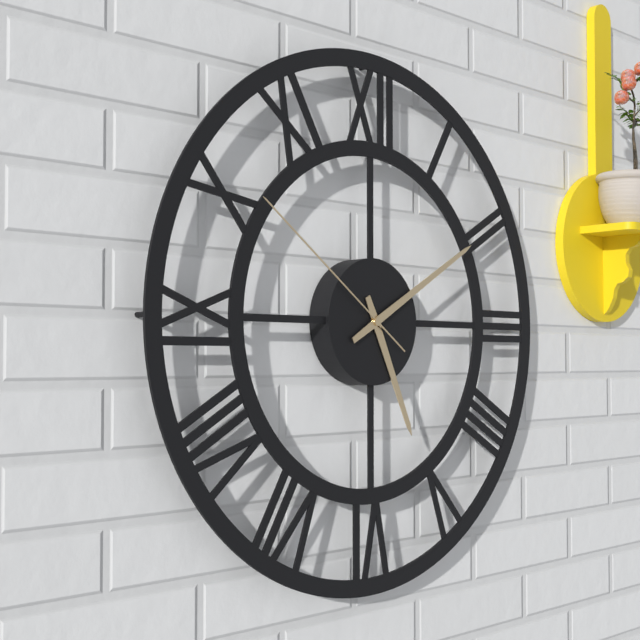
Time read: 5h10m51s
